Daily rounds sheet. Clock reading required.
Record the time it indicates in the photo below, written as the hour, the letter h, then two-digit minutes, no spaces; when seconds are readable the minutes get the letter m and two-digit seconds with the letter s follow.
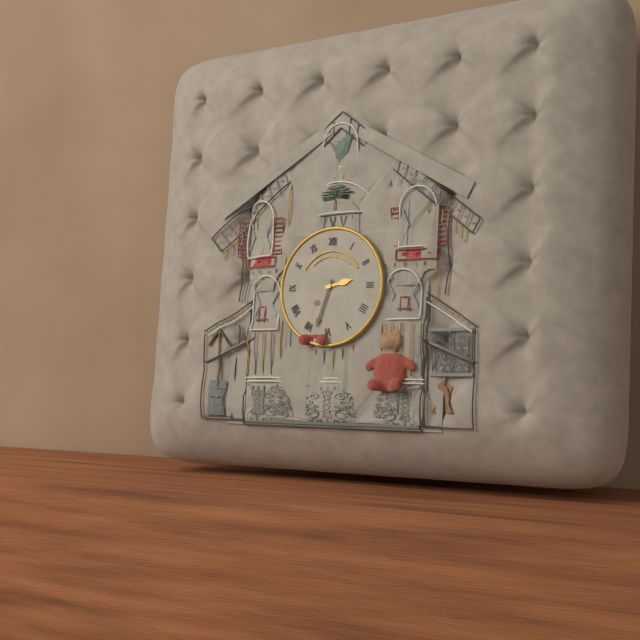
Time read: 2h33
